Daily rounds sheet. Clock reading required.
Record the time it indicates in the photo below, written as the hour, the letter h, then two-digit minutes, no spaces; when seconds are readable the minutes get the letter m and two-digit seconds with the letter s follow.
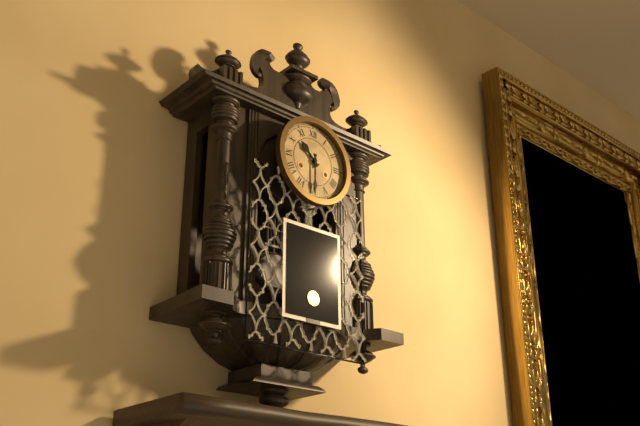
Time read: 10h30
